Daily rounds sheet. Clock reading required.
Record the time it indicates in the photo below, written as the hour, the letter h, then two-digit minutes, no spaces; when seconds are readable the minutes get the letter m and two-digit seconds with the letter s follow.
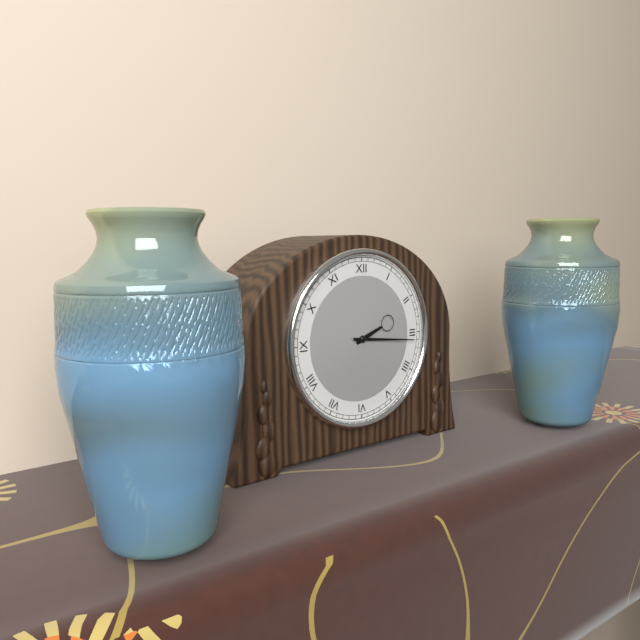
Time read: 2h16
